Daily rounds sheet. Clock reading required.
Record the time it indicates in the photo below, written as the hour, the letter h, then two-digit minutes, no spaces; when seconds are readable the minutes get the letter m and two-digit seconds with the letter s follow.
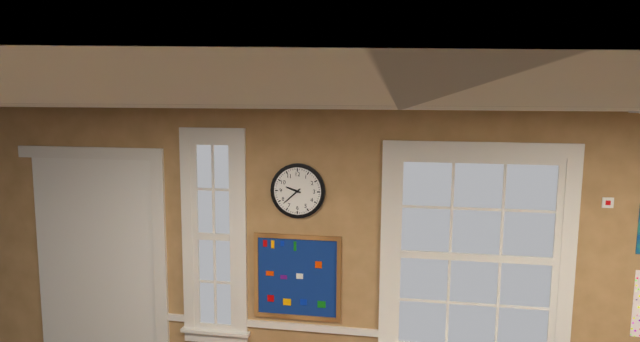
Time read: 9h38
